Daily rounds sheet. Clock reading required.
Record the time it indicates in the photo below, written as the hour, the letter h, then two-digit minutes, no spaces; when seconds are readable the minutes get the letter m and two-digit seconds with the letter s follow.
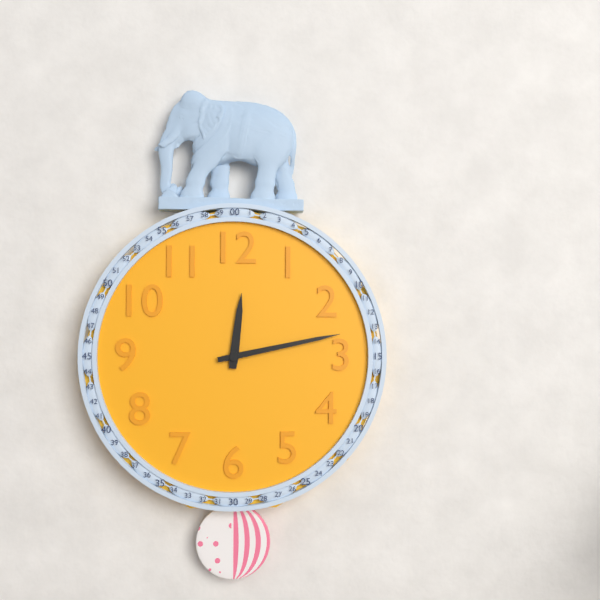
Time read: 12h13
